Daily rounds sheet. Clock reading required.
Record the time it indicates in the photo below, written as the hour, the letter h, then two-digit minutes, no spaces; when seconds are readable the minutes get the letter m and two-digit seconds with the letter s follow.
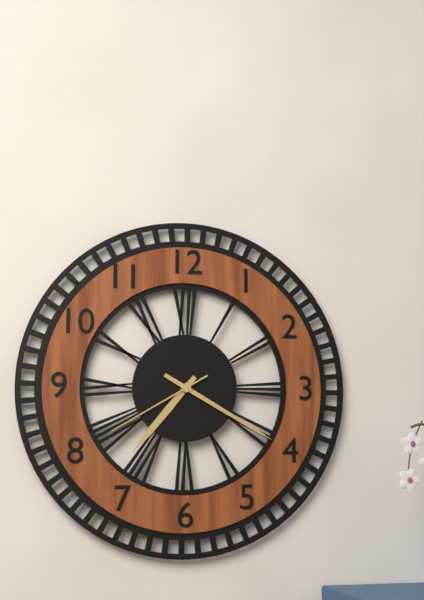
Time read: 7h20m40s
